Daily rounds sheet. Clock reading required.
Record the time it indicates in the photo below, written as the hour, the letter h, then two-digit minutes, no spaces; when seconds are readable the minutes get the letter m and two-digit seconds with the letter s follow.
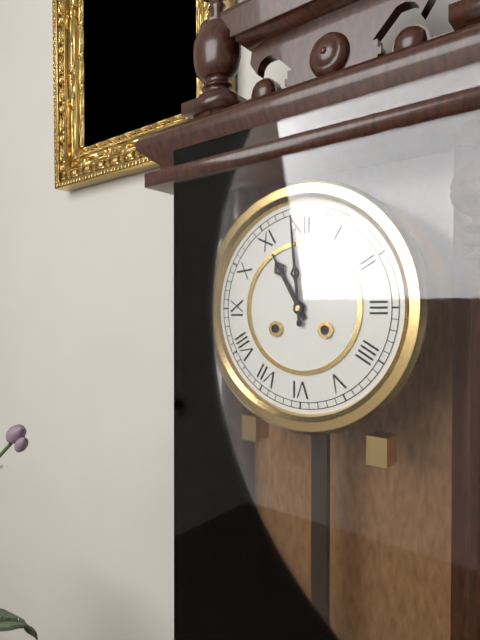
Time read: 10h59
